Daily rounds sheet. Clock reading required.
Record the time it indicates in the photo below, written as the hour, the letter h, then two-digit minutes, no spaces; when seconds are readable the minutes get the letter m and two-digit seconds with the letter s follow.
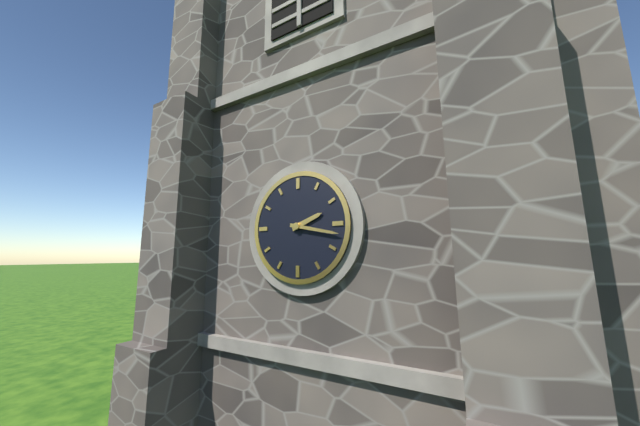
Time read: 2h17
